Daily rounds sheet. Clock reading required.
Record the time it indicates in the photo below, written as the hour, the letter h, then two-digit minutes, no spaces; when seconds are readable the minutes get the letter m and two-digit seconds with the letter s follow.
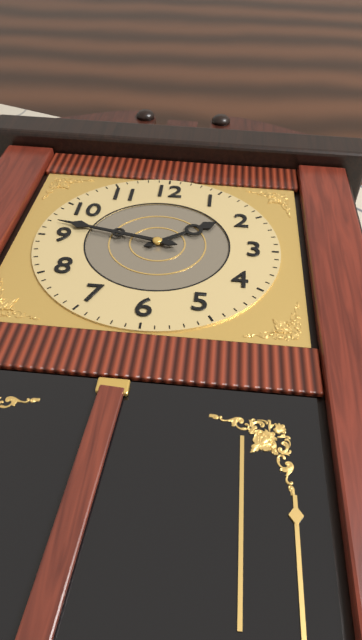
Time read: 1h47
